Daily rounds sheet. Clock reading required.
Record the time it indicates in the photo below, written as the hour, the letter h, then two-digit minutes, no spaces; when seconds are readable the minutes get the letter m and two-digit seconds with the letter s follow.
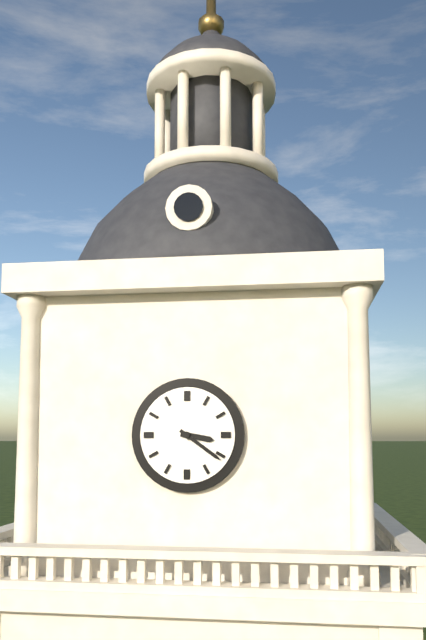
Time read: 3h21
